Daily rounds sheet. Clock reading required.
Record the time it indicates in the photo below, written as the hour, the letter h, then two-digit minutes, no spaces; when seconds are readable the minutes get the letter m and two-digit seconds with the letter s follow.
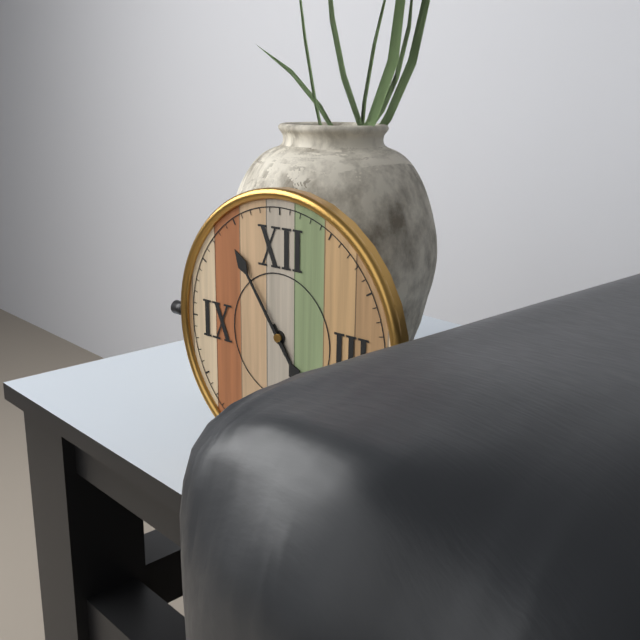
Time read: 4h54
